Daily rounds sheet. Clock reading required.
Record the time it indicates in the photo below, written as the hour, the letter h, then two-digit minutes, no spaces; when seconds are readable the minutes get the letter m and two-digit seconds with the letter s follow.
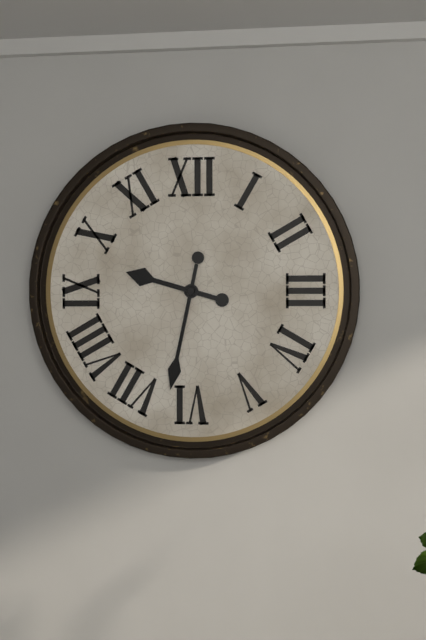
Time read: 9h32
